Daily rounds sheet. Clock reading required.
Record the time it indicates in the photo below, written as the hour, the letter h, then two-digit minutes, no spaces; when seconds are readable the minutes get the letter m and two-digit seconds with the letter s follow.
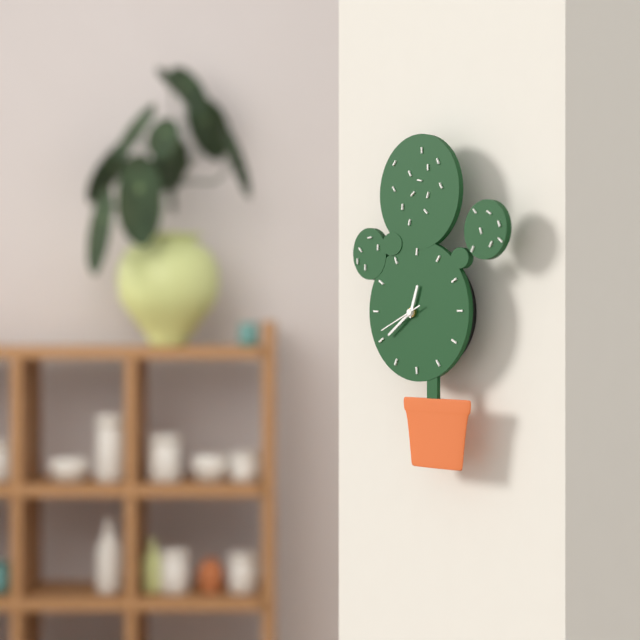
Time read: 12h39m41s
